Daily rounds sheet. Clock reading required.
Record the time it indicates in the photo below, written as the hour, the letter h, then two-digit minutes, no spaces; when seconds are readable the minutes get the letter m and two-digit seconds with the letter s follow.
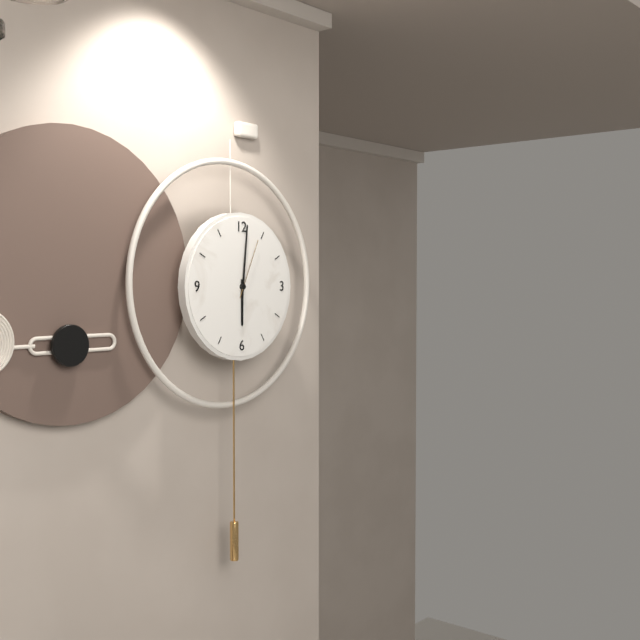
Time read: 6h01m04s
